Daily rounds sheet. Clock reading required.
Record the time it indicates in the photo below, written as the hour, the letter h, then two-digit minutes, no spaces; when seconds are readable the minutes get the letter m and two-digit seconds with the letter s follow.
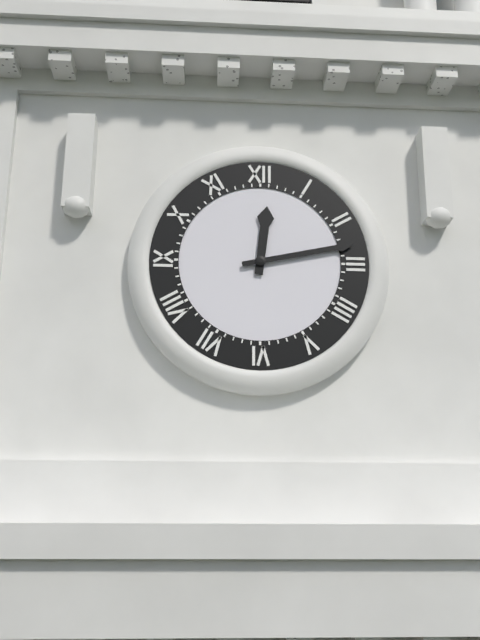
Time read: 12h13
